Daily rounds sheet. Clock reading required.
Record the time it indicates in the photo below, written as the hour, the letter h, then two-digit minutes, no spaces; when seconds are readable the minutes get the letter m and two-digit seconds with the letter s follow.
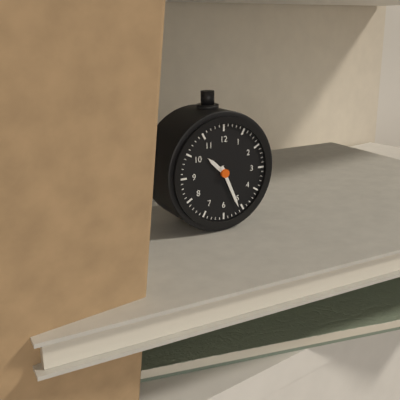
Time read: 10h26
